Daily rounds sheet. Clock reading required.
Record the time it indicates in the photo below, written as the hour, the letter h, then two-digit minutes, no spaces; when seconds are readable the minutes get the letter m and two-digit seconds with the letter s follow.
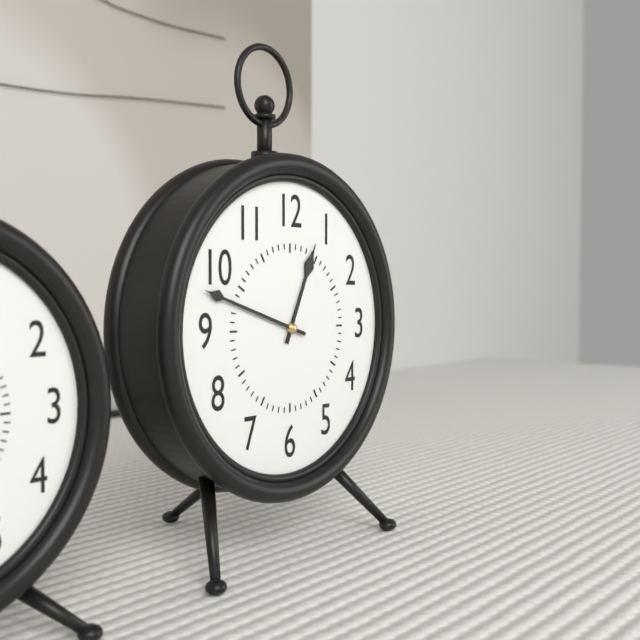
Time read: 12h48
